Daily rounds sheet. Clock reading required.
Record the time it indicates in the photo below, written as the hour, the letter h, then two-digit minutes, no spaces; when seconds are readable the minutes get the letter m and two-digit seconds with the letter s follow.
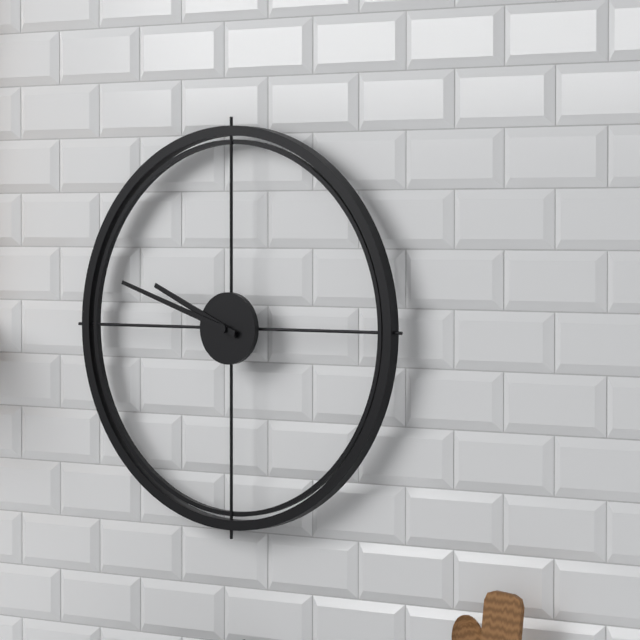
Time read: 9h48
